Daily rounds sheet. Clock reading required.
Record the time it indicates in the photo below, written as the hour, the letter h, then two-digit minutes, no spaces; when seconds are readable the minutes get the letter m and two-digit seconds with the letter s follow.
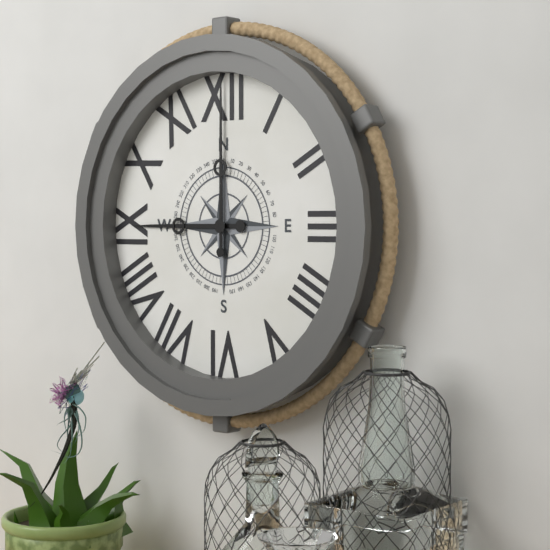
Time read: 9h00
